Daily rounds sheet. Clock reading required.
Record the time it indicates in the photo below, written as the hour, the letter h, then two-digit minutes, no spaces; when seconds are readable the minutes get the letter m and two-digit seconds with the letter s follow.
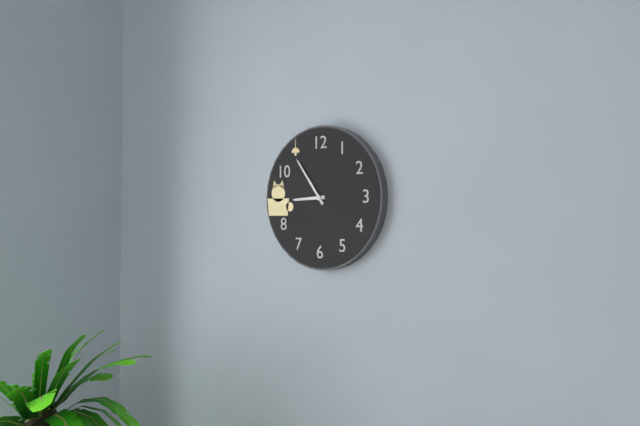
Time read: 8h54
